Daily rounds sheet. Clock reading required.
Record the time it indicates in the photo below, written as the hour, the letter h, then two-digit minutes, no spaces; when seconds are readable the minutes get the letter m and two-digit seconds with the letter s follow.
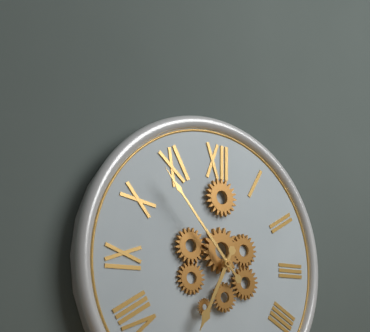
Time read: 6h53
